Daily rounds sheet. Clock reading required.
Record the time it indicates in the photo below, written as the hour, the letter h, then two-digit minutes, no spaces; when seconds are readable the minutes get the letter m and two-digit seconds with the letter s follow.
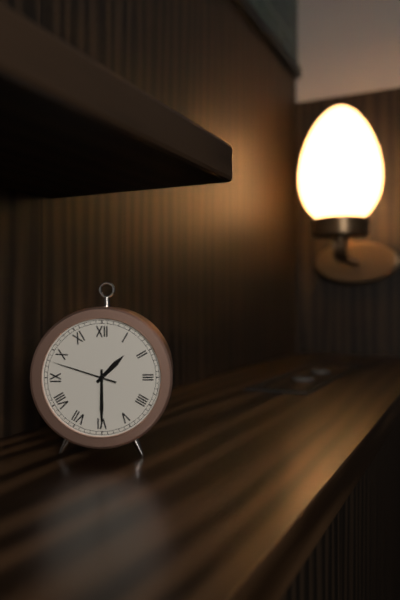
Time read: 1h30m48s
